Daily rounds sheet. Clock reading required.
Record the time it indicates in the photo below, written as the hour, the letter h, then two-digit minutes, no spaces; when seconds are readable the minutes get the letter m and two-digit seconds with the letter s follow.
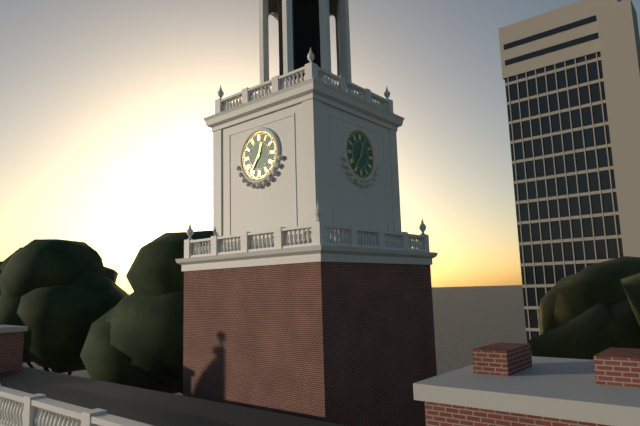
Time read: 12h36
